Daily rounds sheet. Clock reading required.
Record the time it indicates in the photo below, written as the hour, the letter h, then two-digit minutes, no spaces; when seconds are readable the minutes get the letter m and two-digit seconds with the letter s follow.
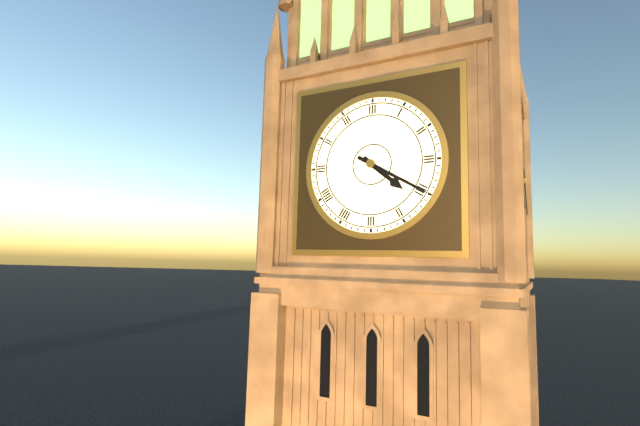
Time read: 4h20
